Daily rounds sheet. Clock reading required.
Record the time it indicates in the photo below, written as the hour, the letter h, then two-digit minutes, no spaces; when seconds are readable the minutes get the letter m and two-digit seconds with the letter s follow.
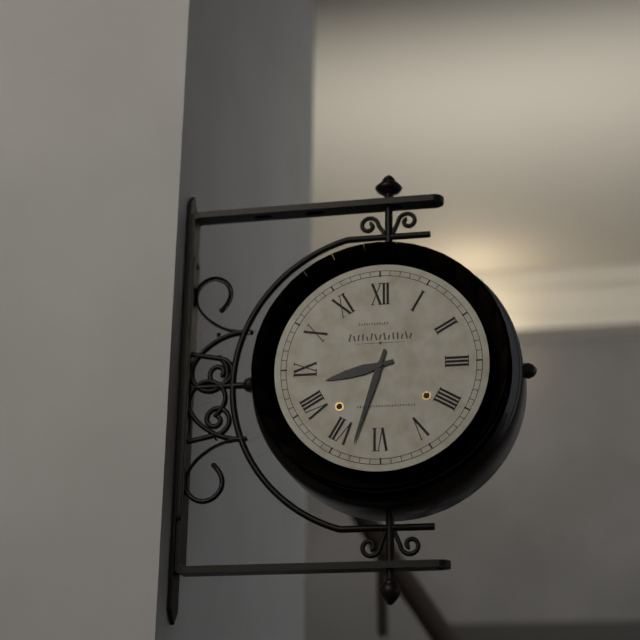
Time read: 8h33
